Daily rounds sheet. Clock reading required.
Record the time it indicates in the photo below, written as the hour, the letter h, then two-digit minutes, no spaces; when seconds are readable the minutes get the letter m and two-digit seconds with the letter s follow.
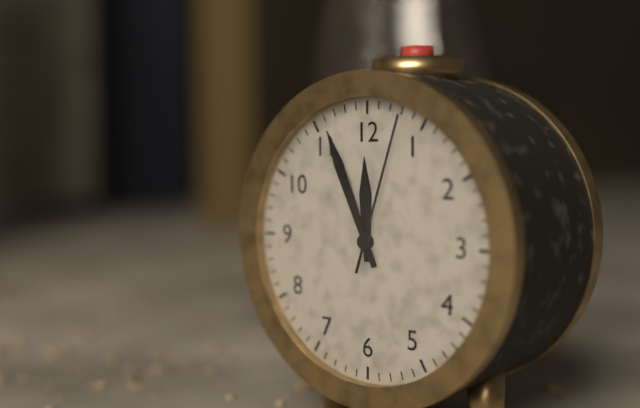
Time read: 11h56m03s
